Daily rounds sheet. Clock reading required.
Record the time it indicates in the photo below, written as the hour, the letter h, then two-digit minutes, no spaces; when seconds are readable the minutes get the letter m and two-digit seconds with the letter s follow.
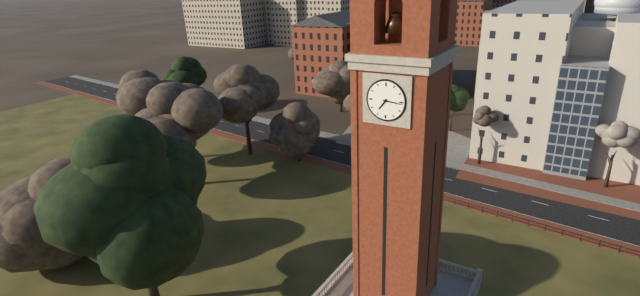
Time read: 7h16
